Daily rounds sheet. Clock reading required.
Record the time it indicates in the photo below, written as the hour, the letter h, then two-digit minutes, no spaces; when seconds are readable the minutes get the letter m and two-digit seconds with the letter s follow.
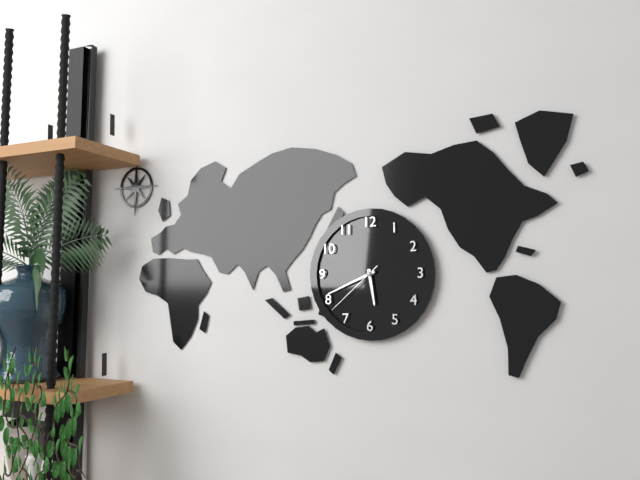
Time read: 5h41m38s
